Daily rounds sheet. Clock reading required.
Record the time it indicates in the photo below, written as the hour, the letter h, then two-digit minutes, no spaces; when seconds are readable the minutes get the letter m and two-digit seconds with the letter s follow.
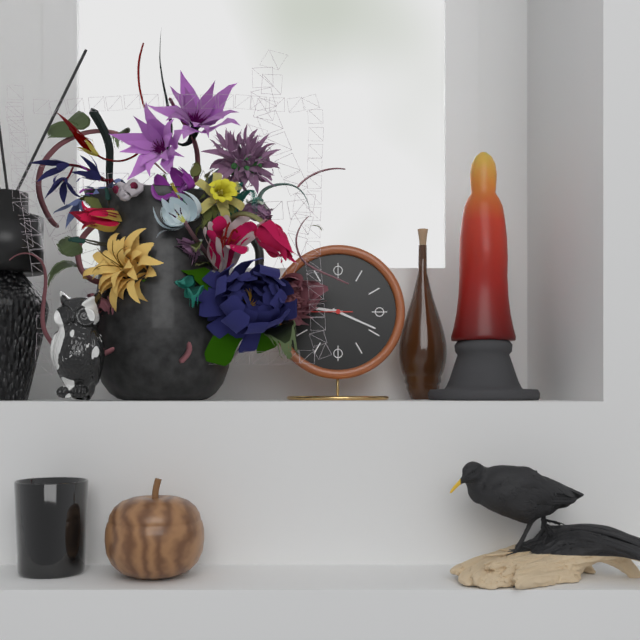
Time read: 9h19
